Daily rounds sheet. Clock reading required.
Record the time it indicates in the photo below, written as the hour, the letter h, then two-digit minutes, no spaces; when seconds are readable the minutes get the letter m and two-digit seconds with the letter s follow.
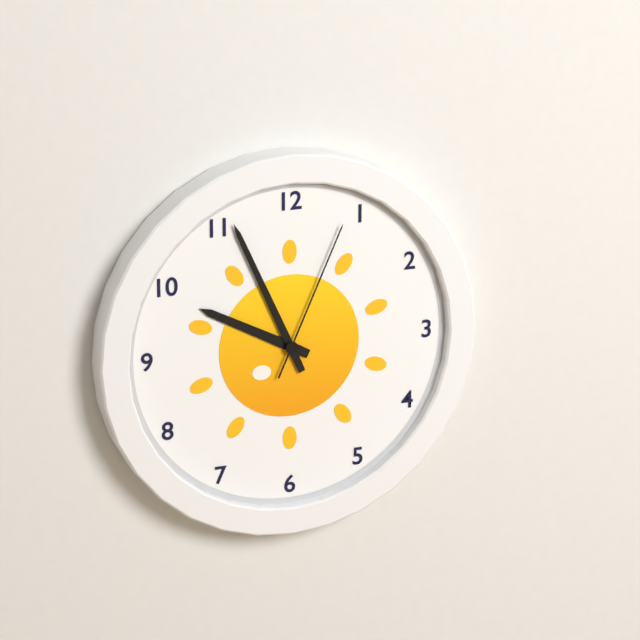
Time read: 9h56m04s
